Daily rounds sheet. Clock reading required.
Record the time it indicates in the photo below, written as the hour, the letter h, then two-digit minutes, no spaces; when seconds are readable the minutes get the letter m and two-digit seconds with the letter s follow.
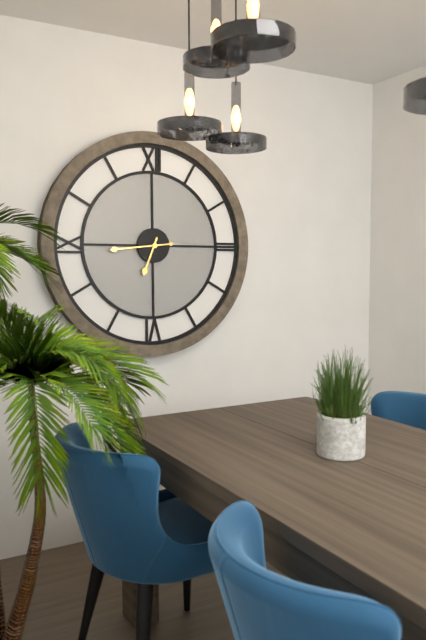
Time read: 6h44
